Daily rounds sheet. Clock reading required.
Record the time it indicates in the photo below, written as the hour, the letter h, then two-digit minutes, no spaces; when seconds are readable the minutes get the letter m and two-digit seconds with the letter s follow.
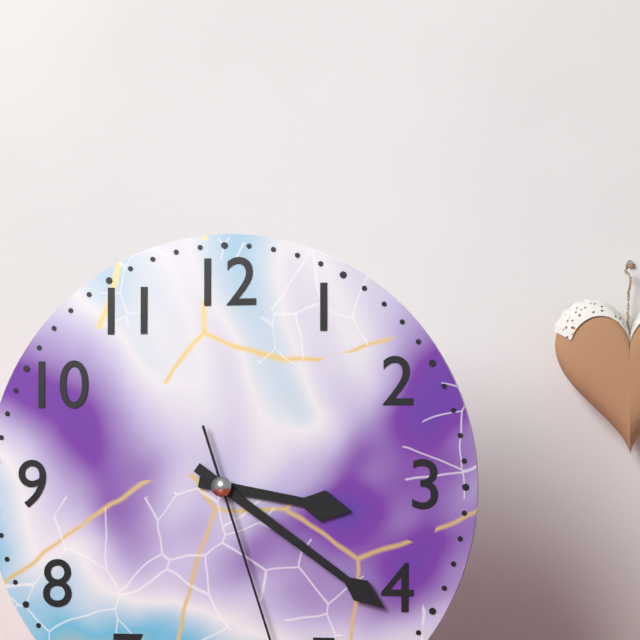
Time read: 3h21
